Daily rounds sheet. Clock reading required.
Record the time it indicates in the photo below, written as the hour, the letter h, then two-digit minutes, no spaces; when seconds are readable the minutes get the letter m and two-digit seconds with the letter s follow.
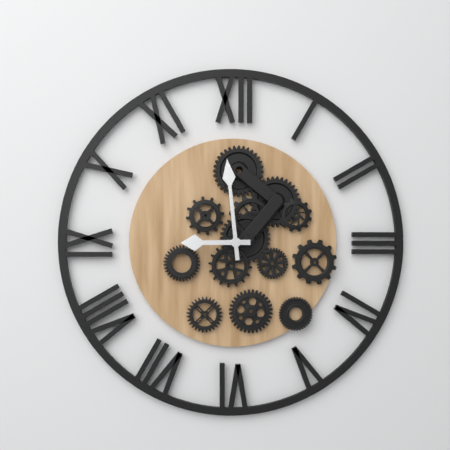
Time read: 8h59
